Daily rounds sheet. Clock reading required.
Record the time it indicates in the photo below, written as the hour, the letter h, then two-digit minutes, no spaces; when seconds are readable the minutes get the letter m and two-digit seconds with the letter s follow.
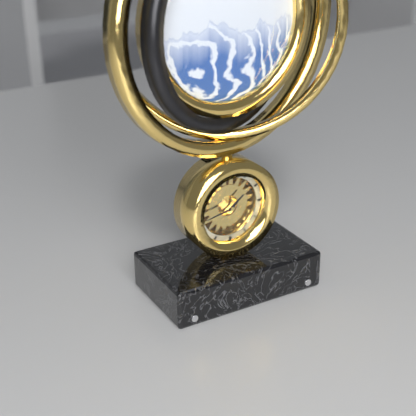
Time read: 1h43
